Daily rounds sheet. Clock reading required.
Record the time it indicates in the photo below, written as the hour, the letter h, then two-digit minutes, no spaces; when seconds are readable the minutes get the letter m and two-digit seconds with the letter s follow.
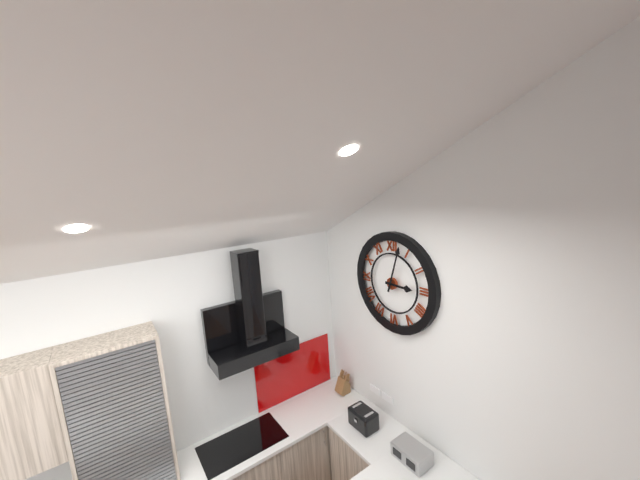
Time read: 3h03
